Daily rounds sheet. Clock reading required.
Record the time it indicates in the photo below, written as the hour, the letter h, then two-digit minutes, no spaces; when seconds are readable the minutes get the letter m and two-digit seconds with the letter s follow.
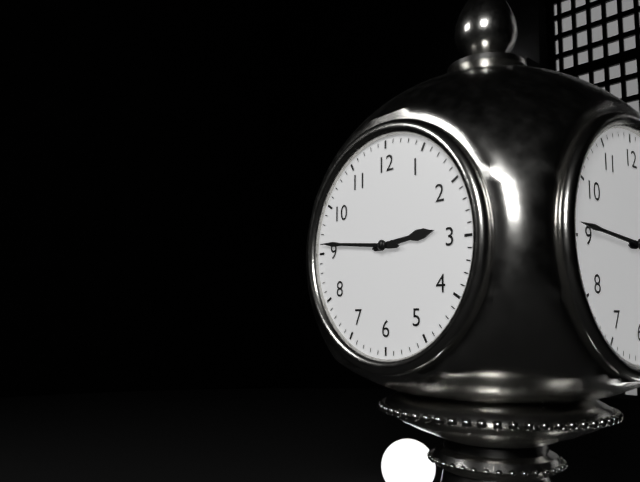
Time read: 2h46
